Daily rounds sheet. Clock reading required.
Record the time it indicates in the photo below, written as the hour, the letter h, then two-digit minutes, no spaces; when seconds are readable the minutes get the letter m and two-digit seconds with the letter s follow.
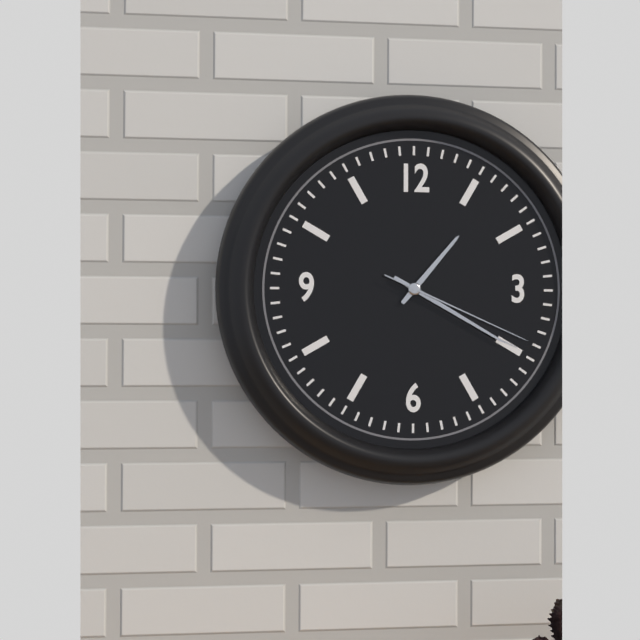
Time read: 1h20m19s
